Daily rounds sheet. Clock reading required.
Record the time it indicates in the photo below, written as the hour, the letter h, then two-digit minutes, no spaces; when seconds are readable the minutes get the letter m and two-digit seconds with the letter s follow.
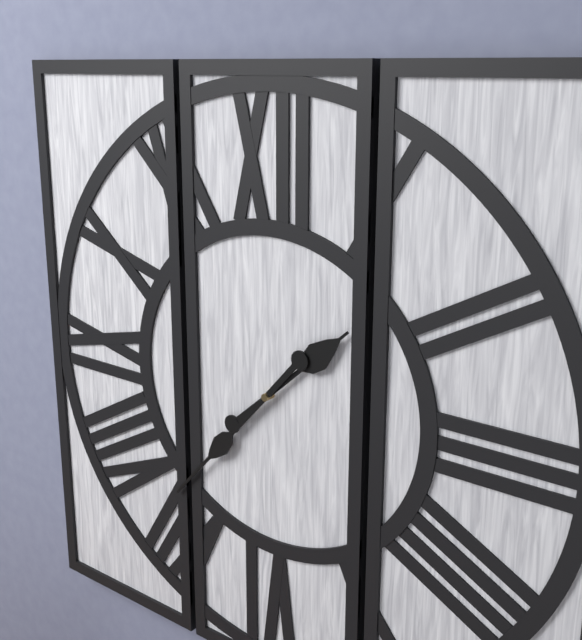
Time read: 1h37
